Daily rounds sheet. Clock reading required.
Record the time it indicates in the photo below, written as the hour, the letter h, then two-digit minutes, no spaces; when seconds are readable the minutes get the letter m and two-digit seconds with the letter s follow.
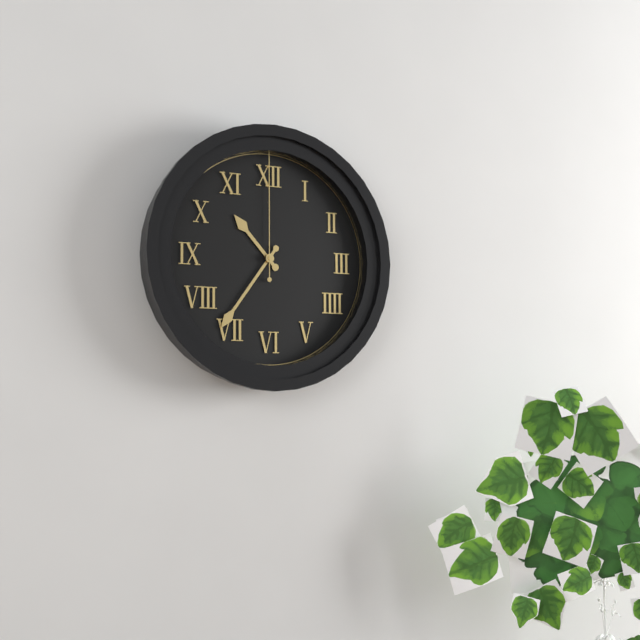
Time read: 10h36m00s
